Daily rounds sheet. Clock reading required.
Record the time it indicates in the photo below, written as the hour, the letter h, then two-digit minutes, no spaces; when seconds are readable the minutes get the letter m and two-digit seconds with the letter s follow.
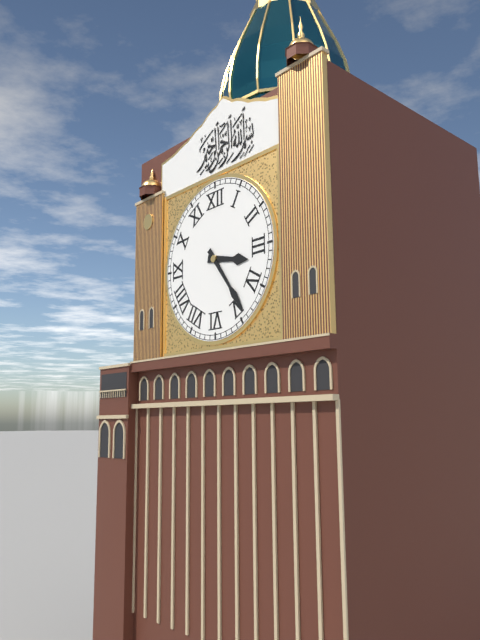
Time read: 3h24
